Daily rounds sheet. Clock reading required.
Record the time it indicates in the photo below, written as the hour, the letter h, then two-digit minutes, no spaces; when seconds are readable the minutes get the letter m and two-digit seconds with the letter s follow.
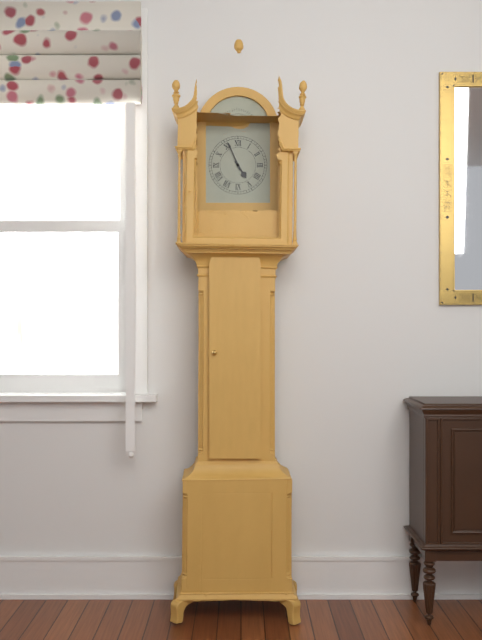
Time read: 4h56
